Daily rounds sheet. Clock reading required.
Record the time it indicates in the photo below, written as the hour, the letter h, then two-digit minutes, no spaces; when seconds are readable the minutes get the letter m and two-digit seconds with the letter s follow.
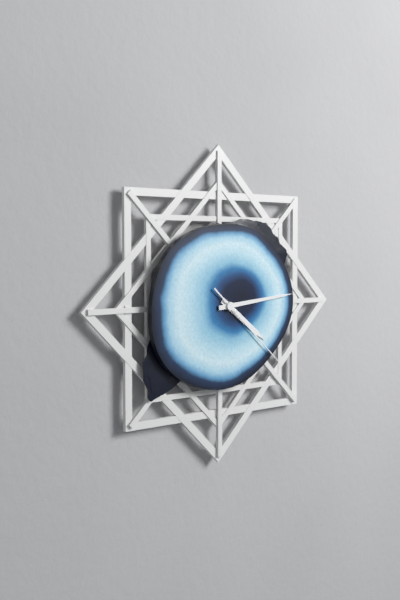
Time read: 4h14m22s
